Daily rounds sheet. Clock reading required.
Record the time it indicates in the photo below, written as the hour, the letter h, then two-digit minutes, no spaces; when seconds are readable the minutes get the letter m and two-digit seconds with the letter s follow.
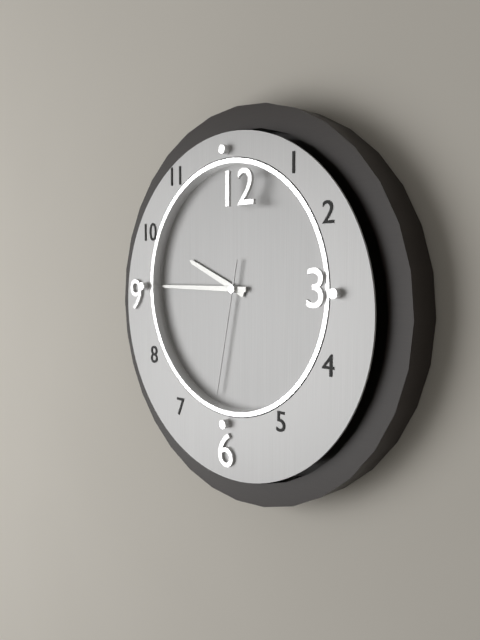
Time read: 9h45m32s
